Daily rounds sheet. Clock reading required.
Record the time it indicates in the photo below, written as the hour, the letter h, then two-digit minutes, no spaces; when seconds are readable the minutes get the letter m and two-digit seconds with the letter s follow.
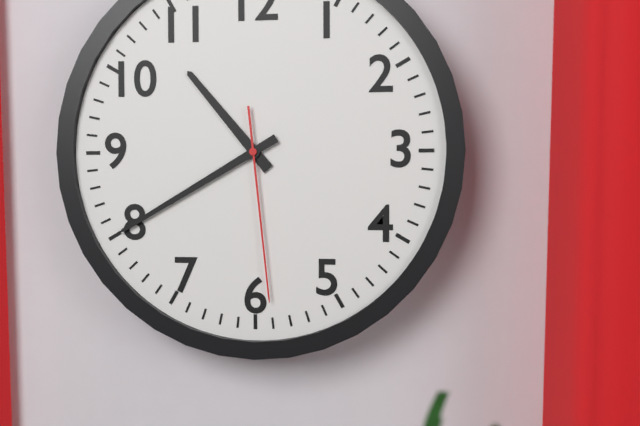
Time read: 10h40m29s
